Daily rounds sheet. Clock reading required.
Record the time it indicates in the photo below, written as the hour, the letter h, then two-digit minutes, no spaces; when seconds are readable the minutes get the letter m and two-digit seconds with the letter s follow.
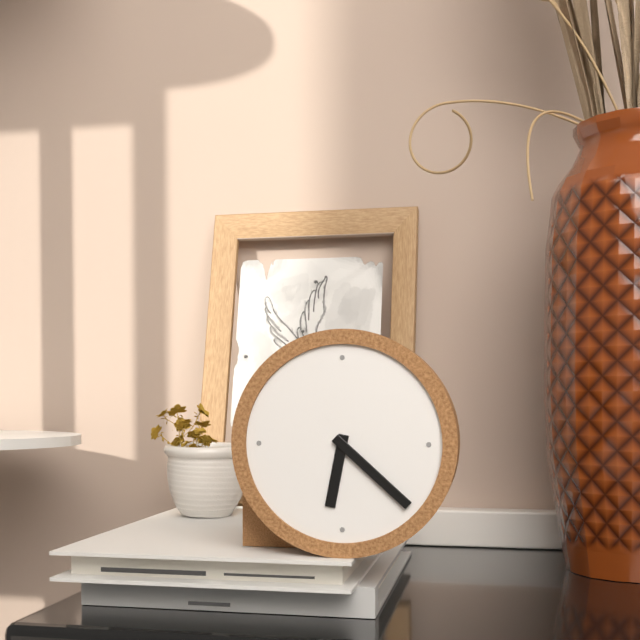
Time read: 6h22
